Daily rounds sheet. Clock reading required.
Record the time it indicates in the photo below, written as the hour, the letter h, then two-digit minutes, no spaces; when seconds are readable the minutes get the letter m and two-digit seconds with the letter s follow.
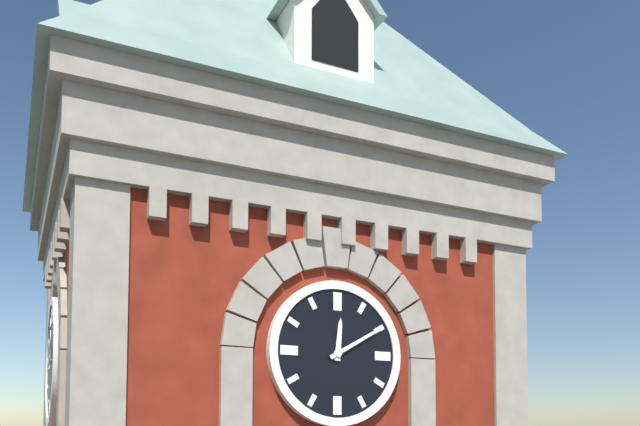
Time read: 12h10
